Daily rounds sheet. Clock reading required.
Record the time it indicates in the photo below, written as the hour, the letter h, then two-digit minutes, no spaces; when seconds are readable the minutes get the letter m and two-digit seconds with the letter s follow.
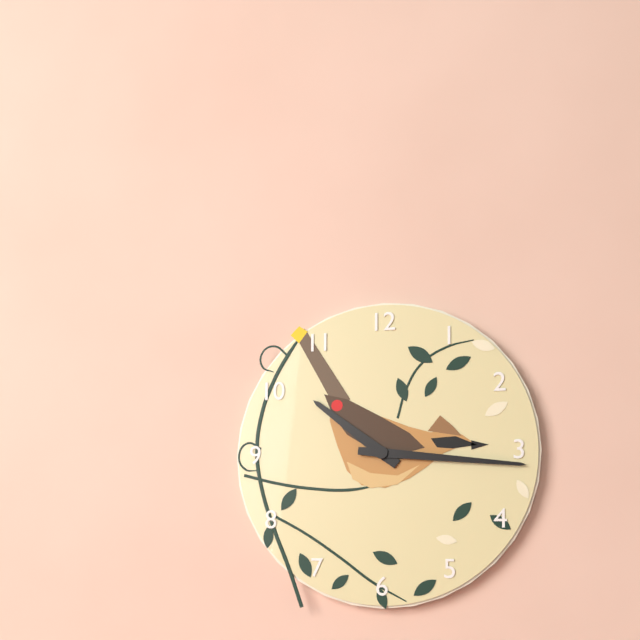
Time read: 10h16
